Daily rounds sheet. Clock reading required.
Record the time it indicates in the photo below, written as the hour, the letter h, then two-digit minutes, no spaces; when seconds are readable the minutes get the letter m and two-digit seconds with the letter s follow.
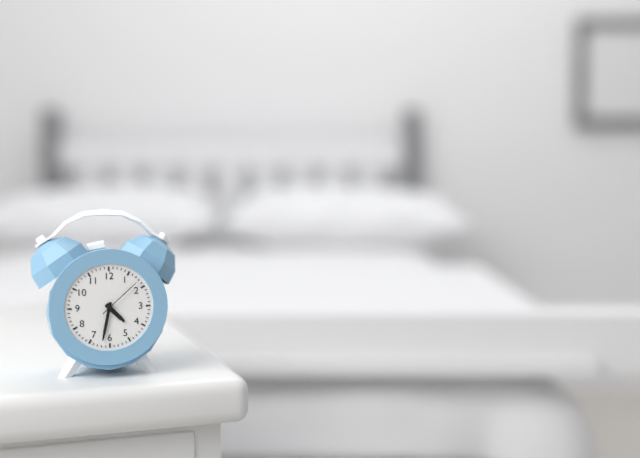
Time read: 4h32
